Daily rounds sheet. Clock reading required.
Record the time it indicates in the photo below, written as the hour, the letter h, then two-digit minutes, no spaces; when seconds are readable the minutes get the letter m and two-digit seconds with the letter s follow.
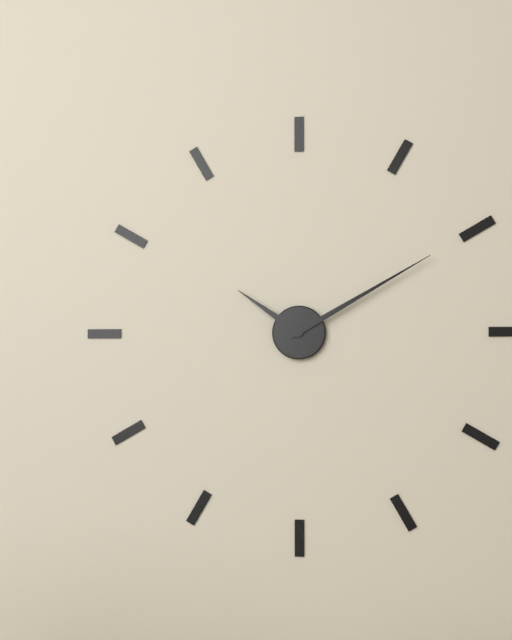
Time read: 10h10
